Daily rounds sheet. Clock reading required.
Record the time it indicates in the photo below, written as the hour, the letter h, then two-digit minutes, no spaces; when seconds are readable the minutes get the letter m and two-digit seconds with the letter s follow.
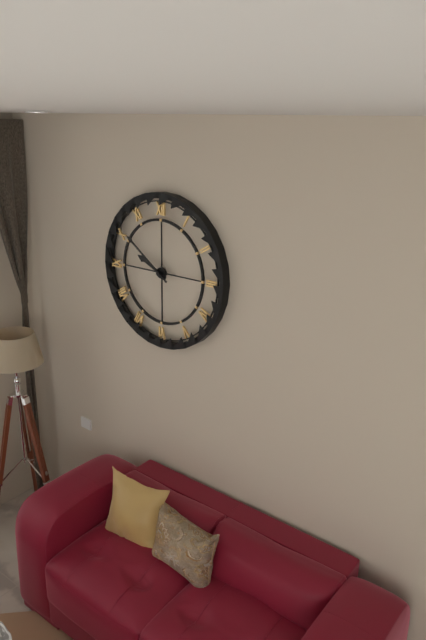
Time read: 9h51
